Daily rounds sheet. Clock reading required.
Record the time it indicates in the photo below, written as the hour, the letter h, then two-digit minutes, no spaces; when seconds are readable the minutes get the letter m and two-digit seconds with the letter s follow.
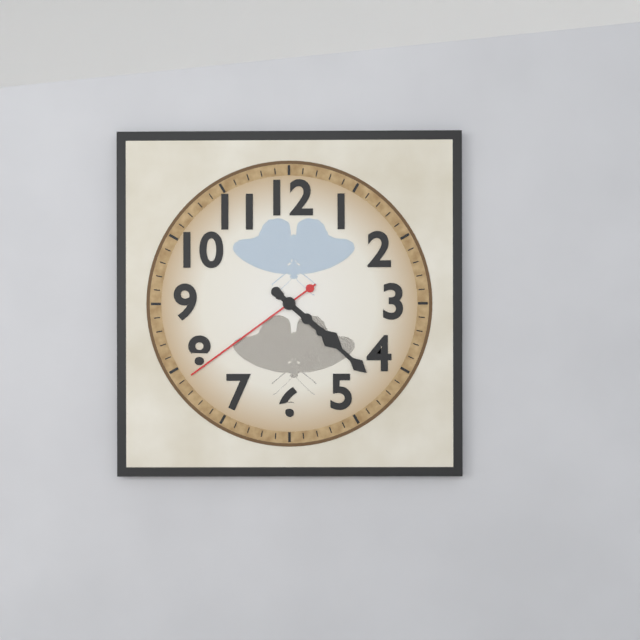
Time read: 4h22m39s
